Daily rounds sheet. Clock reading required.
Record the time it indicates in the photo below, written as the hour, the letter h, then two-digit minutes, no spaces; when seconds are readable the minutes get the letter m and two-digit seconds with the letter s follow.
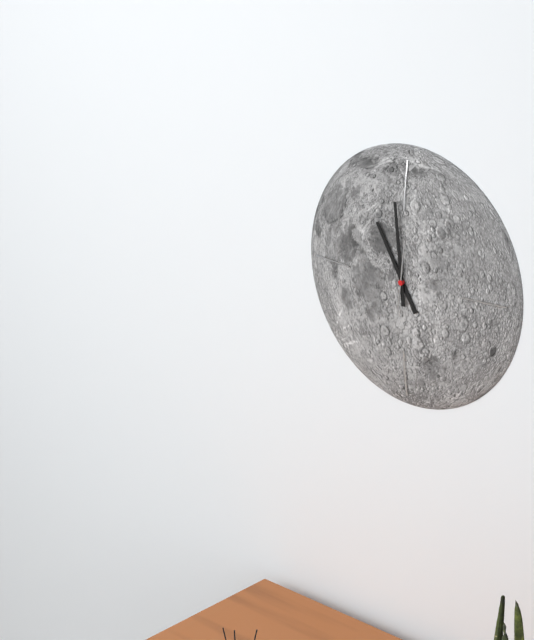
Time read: 10h59m01s
